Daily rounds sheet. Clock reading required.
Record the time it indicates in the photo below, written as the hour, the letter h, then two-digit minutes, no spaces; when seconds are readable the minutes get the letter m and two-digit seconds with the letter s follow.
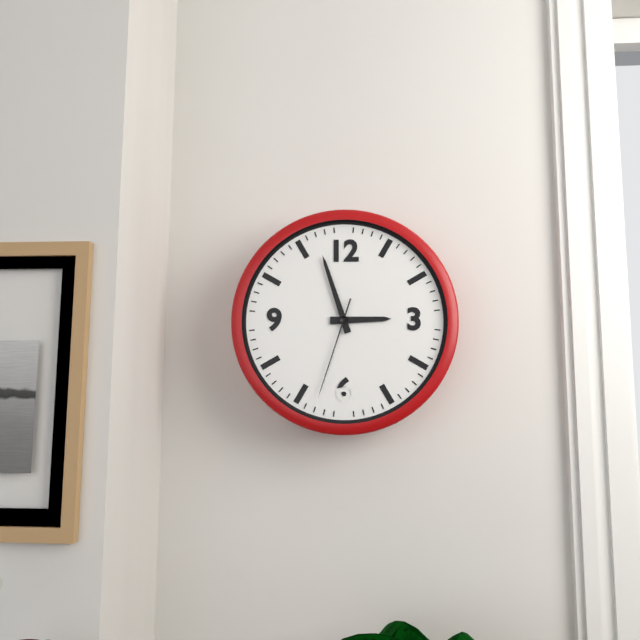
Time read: 2h57m33s
